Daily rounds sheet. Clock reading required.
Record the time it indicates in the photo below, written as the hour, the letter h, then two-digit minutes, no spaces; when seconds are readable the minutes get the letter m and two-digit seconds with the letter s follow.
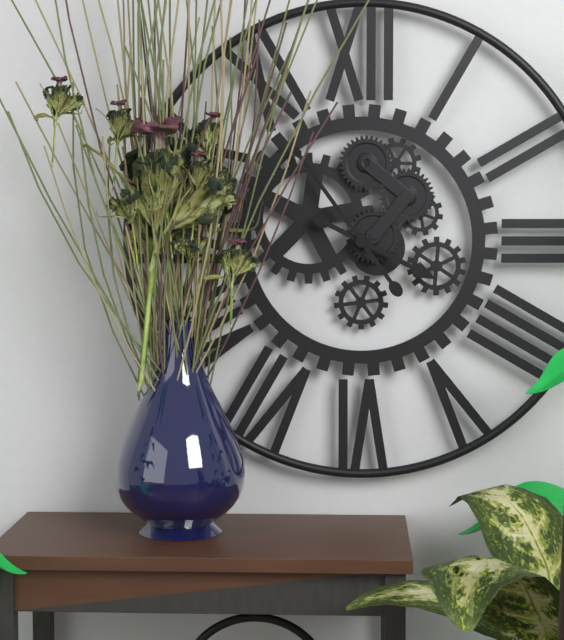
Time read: 3h54
